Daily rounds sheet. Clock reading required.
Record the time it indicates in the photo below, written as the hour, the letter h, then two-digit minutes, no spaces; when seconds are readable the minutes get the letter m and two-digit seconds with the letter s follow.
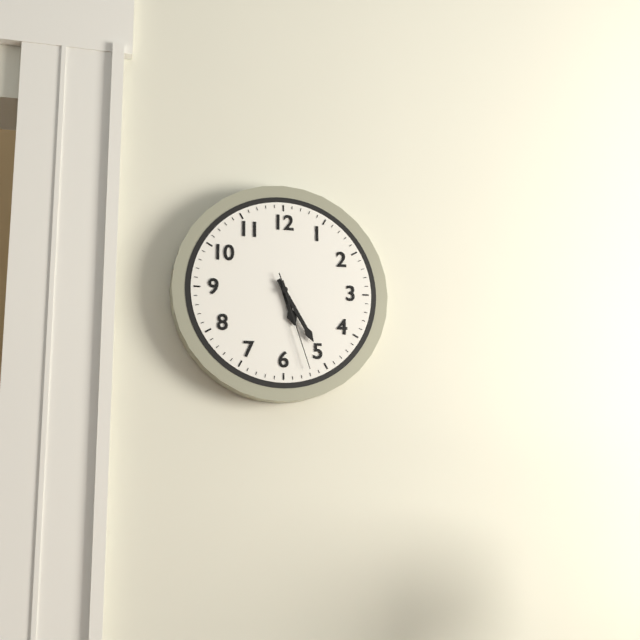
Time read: 5h25m27s
